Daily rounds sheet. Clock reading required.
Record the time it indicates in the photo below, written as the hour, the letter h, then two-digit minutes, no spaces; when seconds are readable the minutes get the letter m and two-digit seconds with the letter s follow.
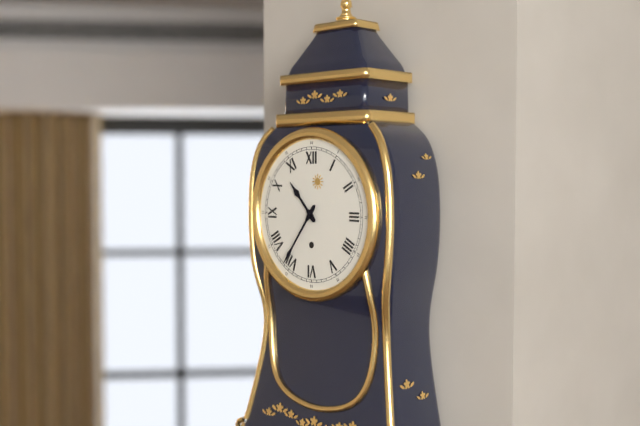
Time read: 10h36
